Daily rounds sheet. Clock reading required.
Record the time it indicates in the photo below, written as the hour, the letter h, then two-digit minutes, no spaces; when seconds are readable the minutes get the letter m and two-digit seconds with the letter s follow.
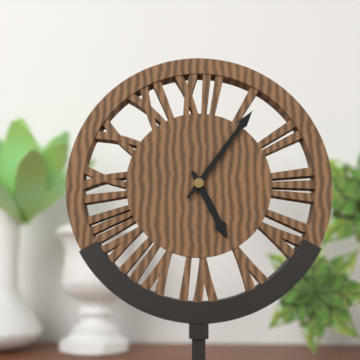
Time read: 5h06
